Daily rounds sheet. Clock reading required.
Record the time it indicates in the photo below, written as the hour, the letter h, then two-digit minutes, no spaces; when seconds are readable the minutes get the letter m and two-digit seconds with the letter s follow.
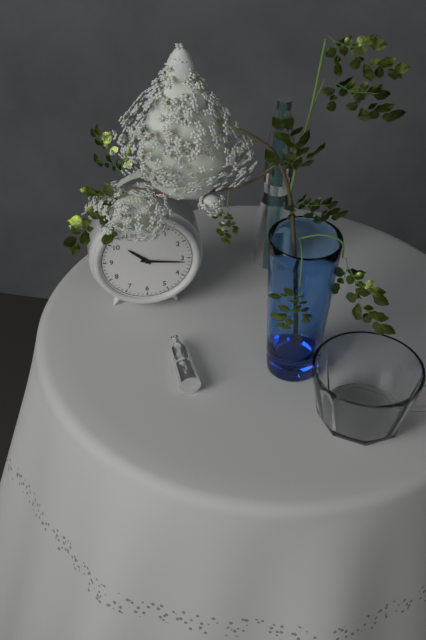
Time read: 10h16
